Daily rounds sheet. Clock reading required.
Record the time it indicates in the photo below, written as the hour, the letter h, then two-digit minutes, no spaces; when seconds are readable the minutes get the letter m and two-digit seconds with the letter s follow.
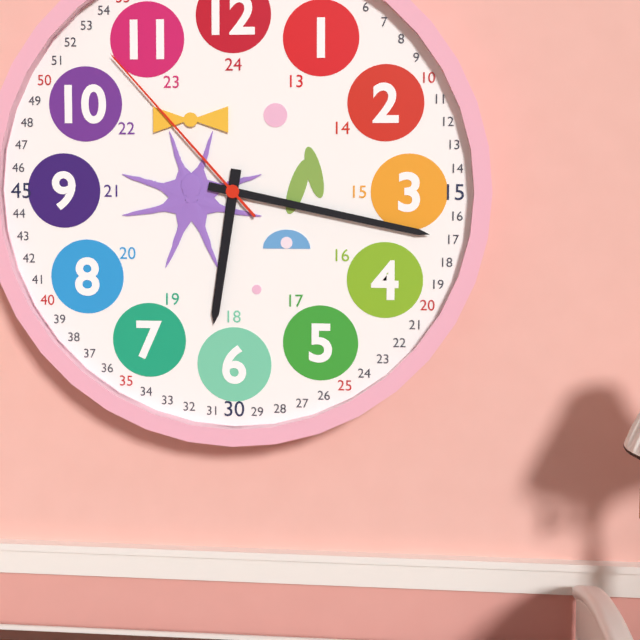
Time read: 6h17m53s
